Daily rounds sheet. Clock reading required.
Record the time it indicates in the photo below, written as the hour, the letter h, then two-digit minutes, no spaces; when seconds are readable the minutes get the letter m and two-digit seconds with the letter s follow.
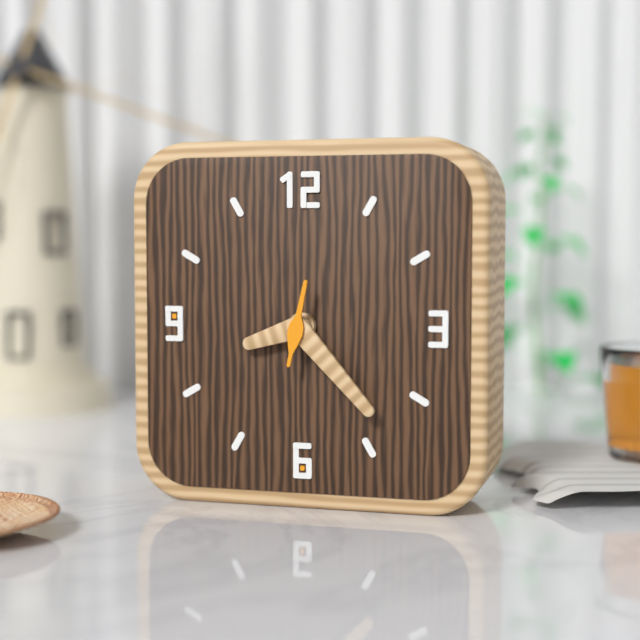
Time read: 8h23m02s
